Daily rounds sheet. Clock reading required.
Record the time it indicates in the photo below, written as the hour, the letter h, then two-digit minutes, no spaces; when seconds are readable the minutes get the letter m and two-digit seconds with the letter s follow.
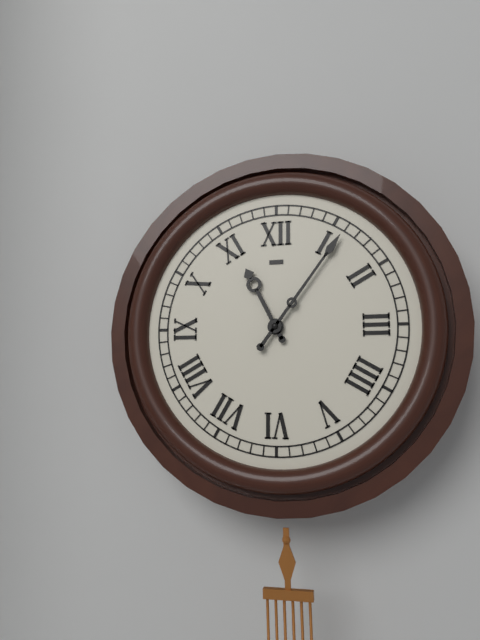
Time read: 11h06
